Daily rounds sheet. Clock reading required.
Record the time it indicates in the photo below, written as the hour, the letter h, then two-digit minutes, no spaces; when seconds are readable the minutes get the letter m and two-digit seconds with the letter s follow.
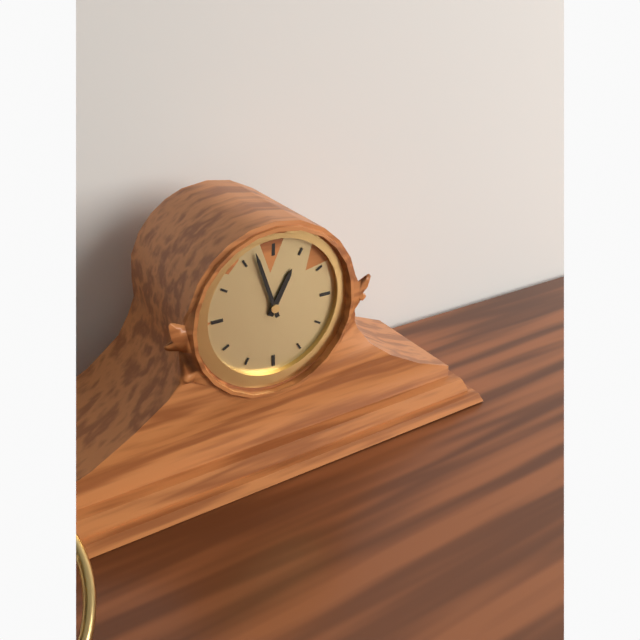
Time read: 12h57
